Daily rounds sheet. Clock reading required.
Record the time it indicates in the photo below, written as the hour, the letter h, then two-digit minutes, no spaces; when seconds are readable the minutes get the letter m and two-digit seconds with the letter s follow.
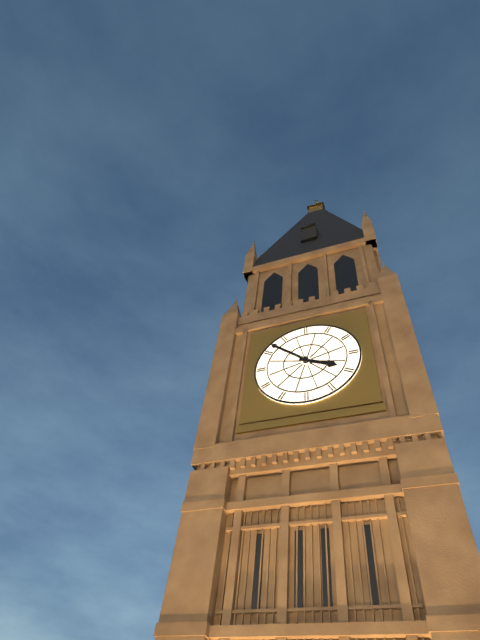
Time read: 3h52
